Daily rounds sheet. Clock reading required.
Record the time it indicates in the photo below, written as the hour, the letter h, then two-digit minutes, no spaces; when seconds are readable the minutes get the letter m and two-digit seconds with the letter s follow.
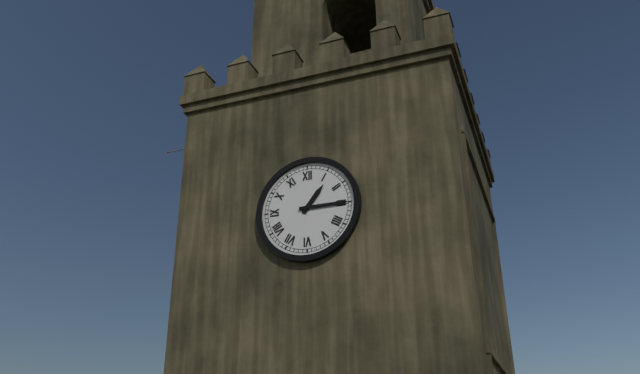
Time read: 1h15
